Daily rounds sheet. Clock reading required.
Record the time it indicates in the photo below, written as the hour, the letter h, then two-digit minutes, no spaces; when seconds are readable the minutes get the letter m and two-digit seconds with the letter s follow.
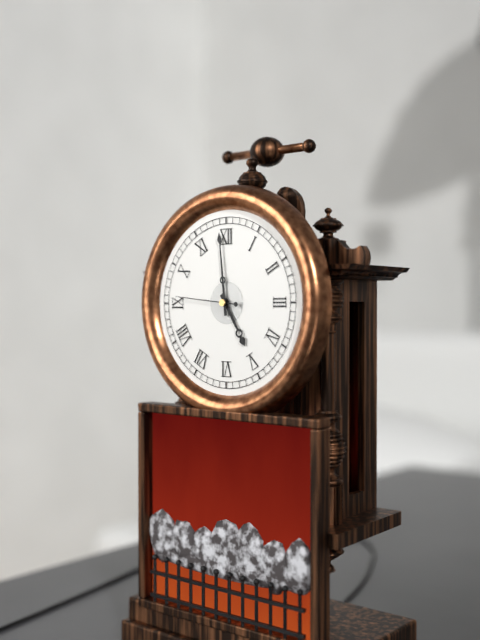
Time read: 4h59m46s
